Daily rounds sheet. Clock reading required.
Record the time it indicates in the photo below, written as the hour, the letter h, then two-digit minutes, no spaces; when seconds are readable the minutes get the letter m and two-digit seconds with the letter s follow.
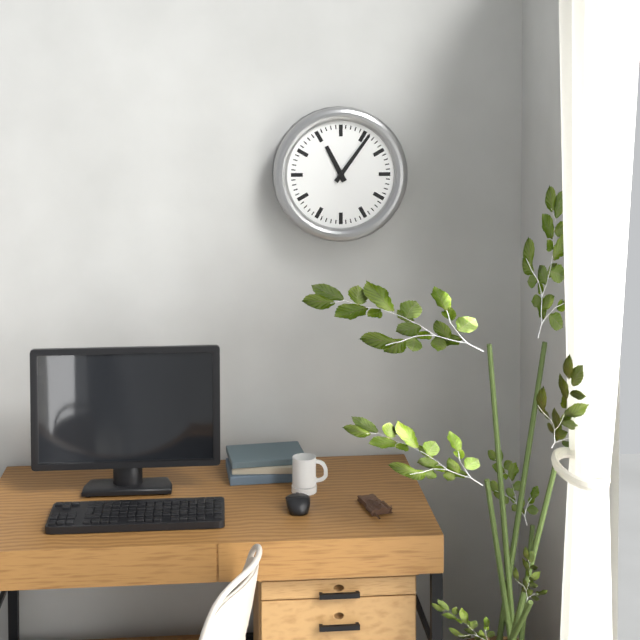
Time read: 11h06
